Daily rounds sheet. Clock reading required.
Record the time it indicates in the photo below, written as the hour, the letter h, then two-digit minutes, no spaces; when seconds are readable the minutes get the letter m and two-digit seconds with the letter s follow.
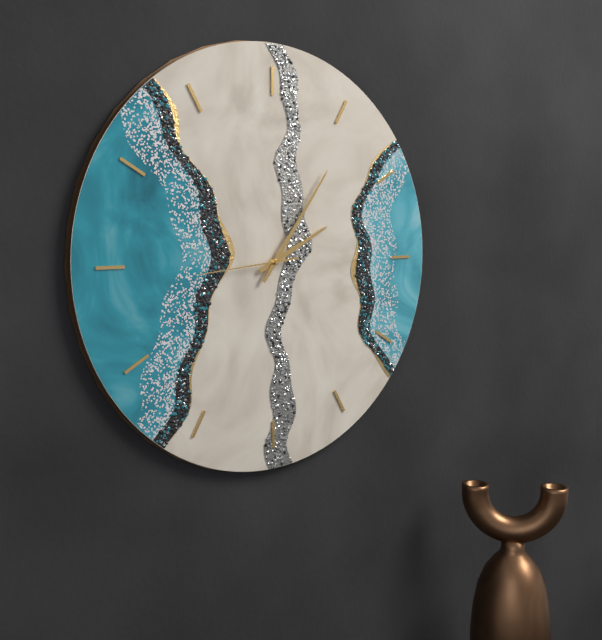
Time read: 2h06m44s
